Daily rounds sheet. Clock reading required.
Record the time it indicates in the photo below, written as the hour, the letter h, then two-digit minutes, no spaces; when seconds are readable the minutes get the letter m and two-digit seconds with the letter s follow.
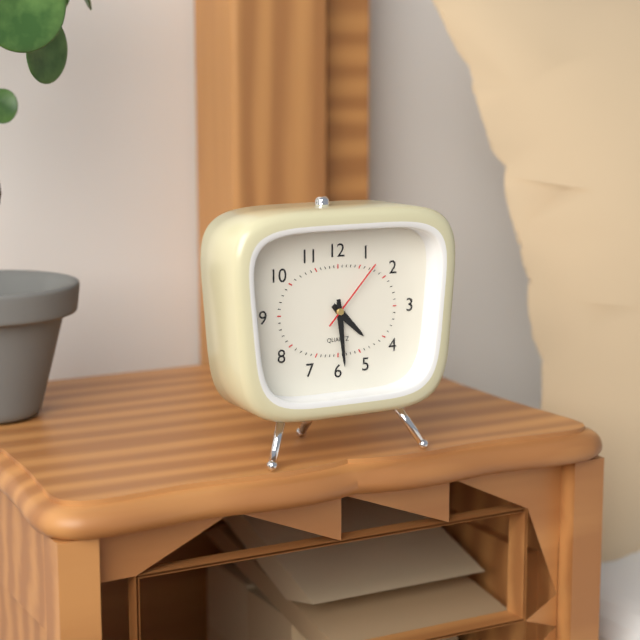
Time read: 4h29m07s
